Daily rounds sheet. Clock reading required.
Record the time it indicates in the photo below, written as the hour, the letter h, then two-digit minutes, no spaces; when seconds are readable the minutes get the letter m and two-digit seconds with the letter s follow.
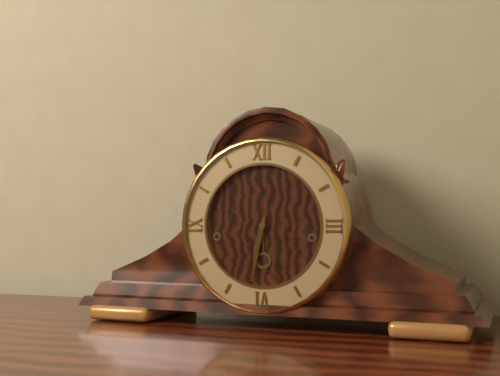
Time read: 6h32
